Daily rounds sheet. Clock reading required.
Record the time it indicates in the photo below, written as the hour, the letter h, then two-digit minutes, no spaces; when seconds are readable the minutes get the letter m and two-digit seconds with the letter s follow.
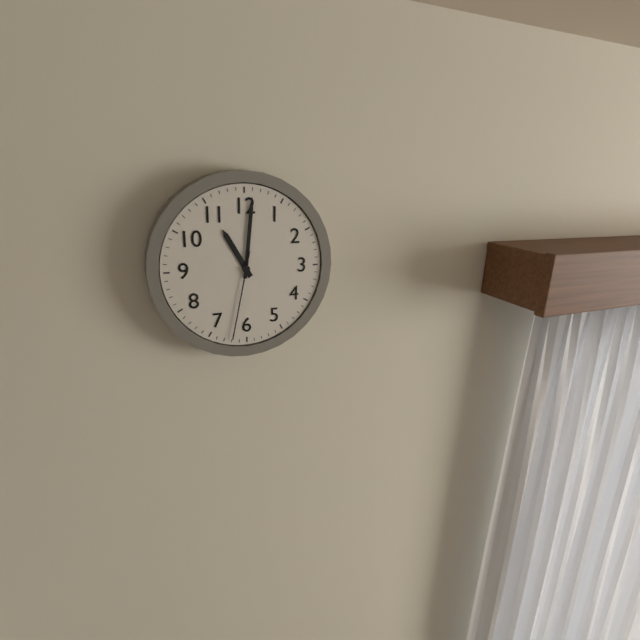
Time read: 11h01m32s
